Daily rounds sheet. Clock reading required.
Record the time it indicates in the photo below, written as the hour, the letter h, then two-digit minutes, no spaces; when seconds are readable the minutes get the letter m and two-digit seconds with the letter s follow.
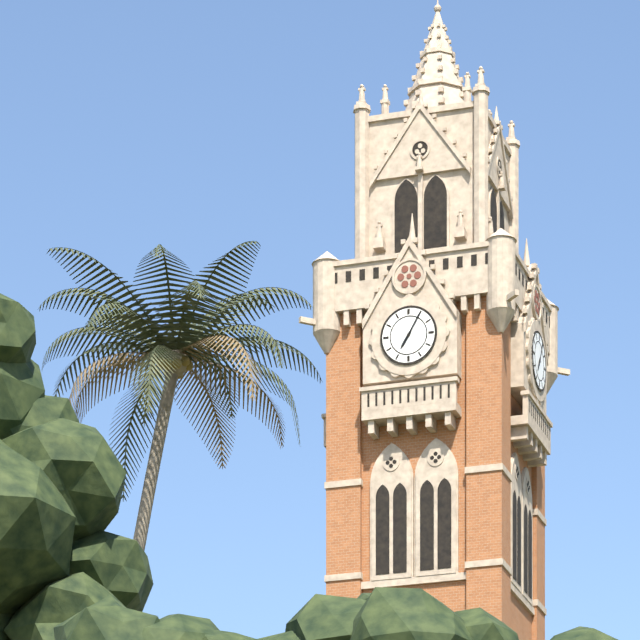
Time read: 7h05
